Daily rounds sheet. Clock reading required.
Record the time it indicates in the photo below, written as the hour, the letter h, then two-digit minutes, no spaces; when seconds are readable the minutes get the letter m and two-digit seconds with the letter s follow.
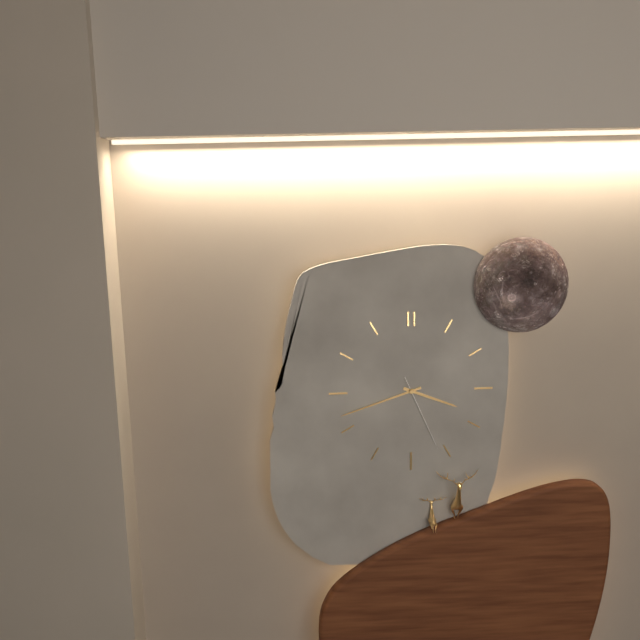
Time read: 3h42m26s
